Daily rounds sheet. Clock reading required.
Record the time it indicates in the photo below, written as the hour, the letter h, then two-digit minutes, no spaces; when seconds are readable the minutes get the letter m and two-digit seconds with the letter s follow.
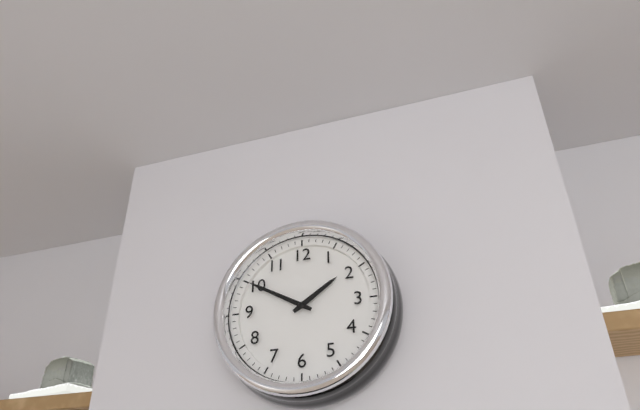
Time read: 1h50
